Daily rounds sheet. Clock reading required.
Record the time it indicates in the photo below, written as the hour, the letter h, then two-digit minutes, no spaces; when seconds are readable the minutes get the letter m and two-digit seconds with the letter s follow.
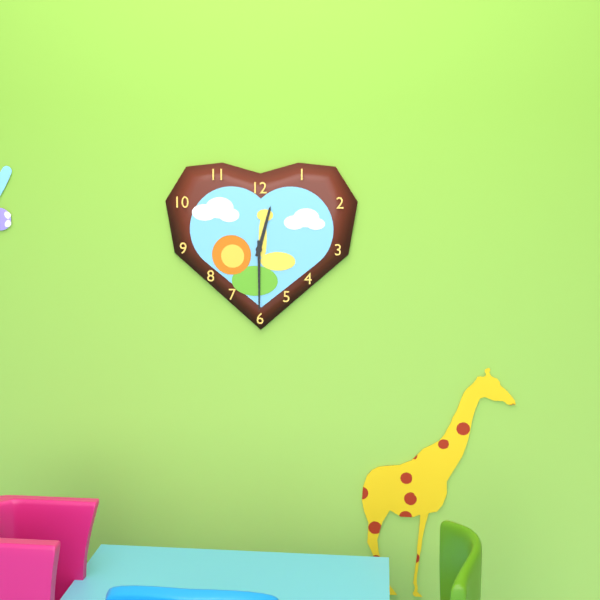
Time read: 12h30
